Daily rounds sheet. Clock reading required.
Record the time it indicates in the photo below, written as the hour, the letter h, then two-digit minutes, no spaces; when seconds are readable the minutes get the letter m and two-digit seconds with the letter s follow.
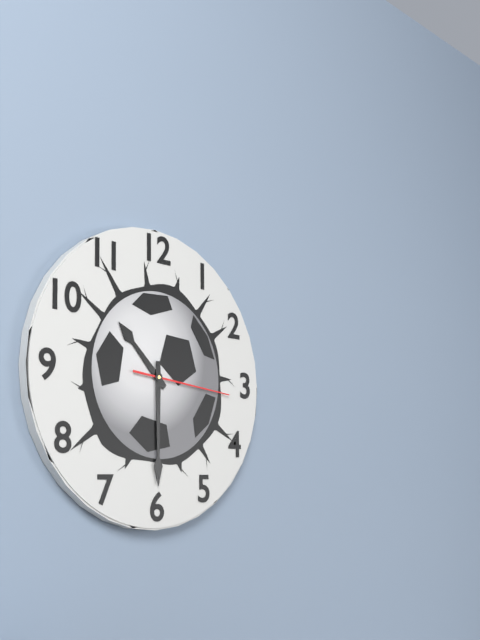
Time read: 10h30m16s
